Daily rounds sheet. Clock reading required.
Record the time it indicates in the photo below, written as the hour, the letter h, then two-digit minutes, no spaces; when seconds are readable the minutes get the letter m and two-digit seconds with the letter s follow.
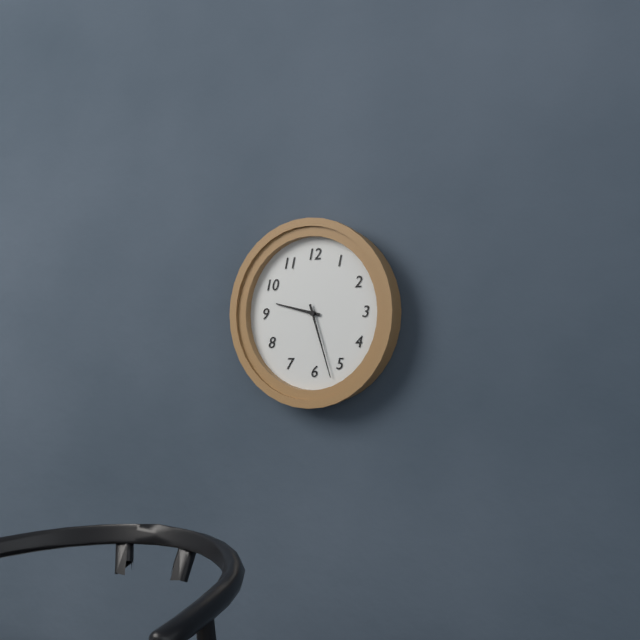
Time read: 9h27
